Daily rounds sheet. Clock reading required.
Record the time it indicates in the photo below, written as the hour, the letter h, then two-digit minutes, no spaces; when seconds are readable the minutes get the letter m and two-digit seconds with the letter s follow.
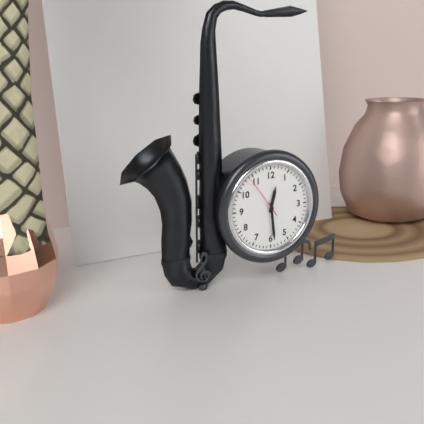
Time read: 12h29
